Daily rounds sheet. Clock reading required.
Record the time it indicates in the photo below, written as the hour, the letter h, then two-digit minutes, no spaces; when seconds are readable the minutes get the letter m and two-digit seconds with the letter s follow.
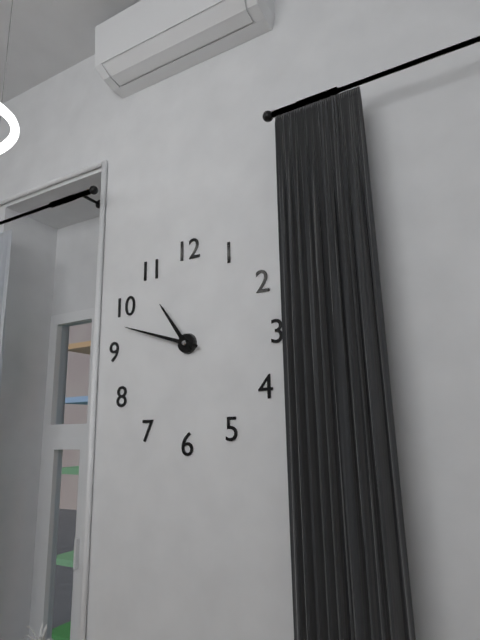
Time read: 10h48
